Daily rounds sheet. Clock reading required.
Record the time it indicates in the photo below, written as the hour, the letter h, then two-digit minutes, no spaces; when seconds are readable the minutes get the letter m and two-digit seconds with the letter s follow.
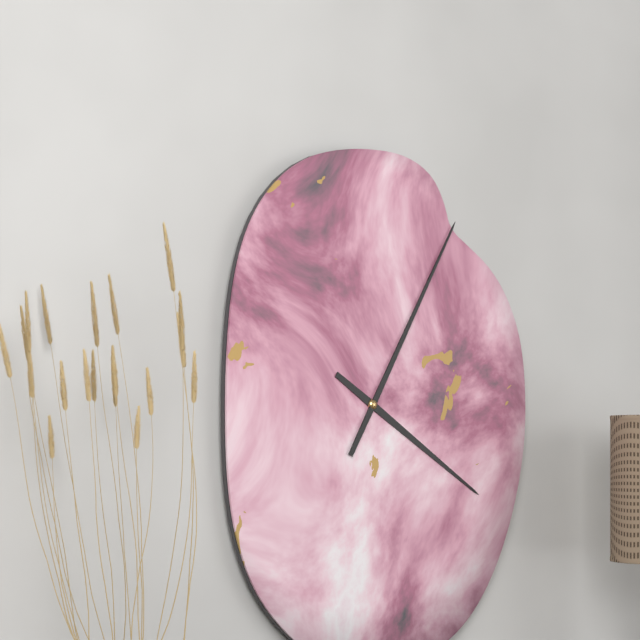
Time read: 4h05
